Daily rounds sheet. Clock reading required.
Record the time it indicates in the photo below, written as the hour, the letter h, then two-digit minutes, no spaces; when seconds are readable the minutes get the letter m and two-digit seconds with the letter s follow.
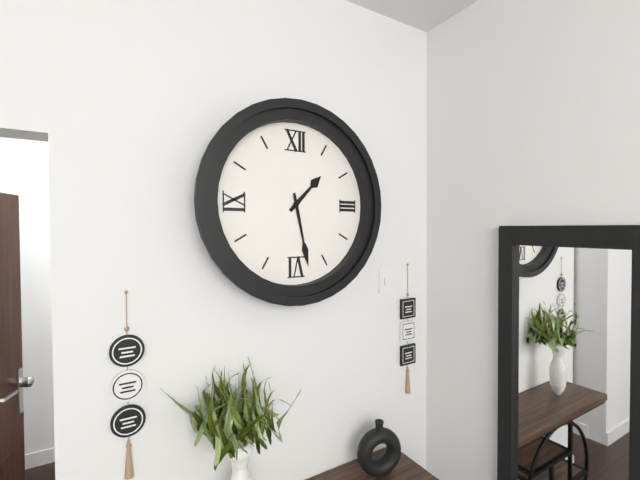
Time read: 1h28
